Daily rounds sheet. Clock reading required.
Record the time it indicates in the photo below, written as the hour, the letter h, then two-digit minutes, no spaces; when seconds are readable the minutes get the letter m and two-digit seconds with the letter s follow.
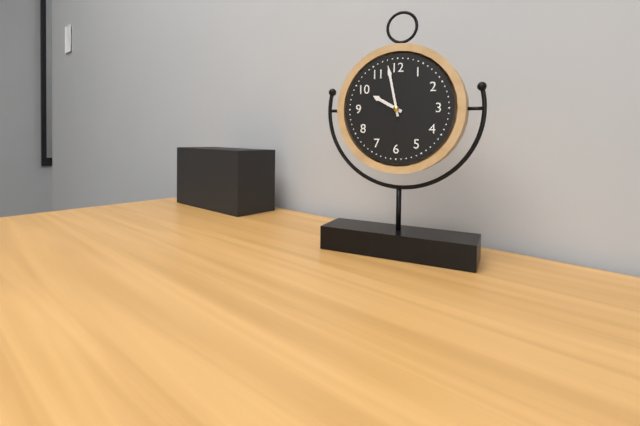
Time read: 9h58
